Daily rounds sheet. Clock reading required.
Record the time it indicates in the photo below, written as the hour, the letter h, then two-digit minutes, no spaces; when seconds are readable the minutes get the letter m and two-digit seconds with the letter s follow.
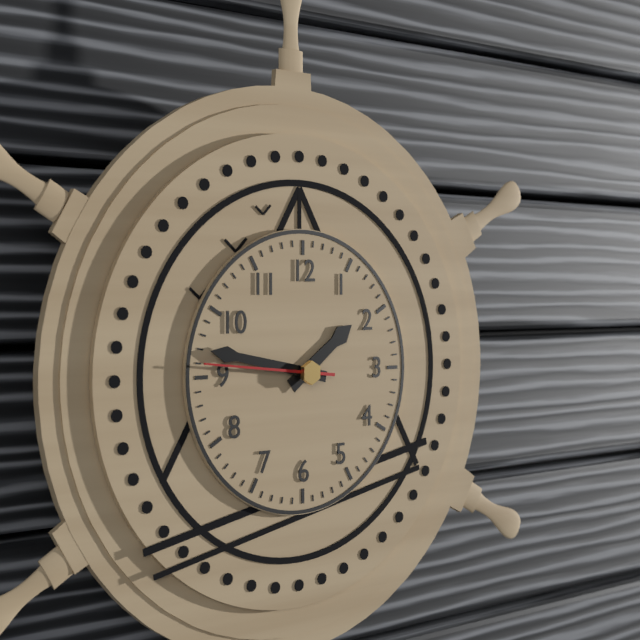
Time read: 1h47m46s
